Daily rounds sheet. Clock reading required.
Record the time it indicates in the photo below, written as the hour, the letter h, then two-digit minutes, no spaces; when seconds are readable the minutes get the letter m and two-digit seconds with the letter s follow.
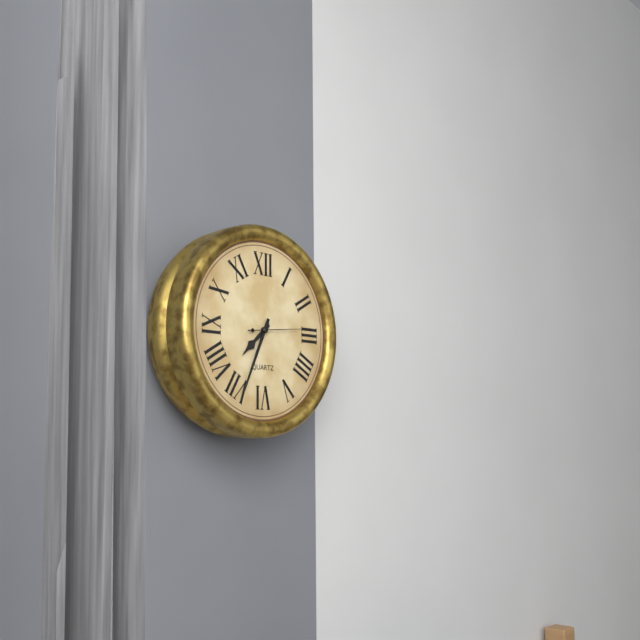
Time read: 7h34m14s
